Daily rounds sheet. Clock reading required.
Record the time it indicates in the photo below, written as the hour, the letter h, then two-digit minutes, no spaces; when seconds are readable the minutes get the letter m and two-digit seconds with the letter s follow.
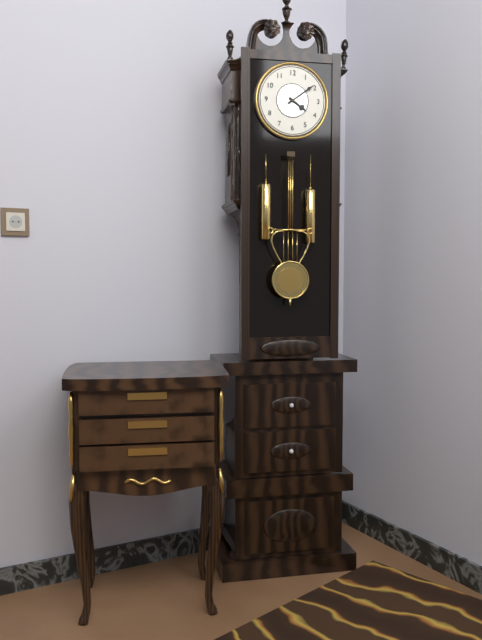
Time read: 4h09
